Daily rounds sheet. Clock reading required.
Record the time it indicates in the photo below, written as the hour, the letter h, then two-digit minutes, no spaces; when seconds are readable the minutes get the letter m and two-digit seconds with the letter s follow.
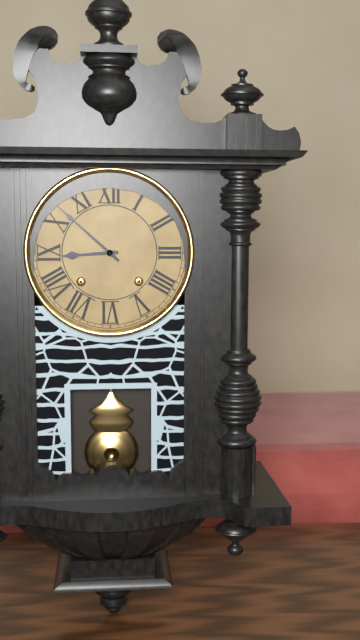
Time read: 8h52
